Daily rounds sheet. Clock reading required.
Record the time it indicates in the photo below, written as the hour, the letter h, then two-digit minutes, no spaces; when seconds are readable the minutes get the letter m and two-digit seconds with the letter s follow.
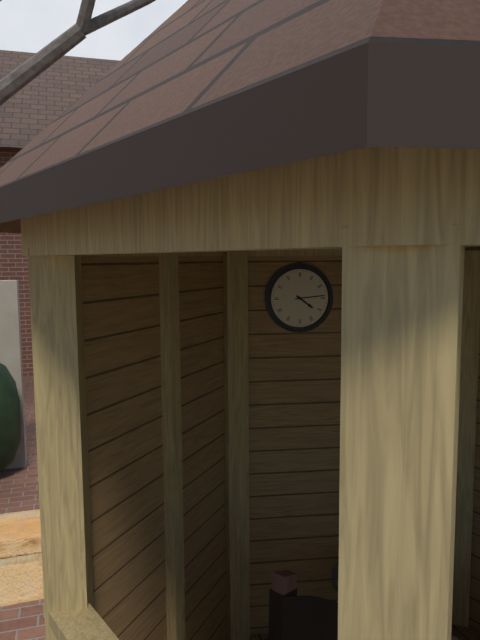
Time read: 4h14
